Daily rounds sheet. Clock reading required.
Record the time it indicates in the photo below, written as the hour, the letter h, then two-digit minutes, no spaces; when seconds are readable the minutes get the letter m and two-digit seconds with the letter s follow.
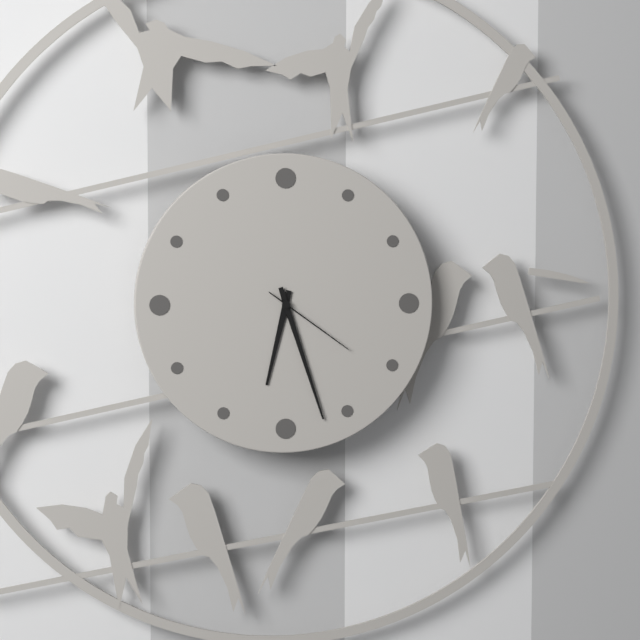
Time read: 6h27m21s
